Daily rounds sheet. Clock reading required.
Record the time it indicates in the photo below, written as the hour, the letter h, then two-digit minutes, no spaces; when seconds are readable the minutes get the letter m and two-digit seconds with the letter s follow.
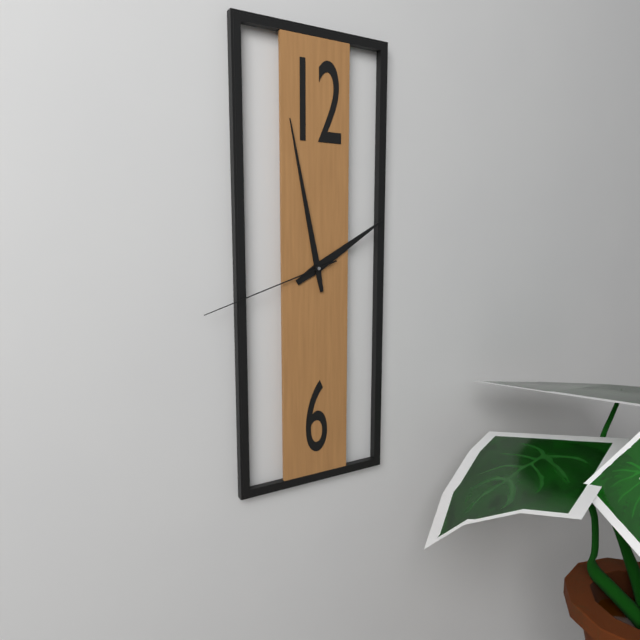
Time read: 1h58m42s
